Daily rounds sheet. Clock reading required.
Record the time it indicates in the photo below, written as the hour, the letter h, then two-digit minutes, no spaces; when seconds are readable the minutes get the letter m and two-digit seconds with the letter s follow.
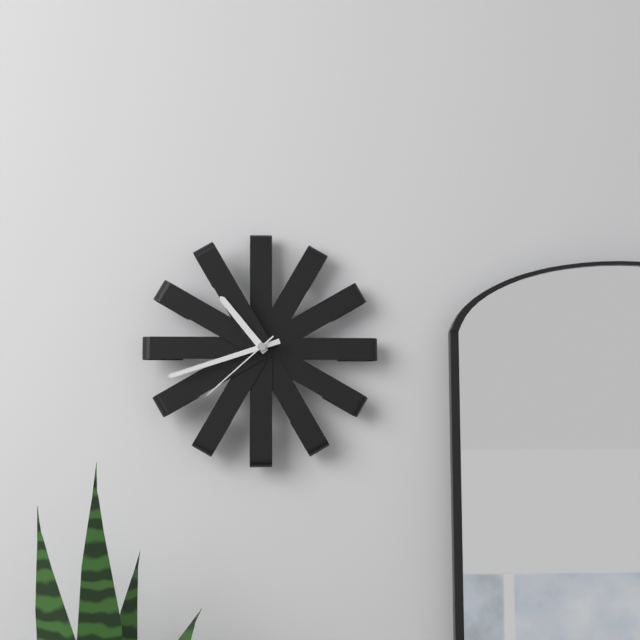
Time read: 10h42m38s
